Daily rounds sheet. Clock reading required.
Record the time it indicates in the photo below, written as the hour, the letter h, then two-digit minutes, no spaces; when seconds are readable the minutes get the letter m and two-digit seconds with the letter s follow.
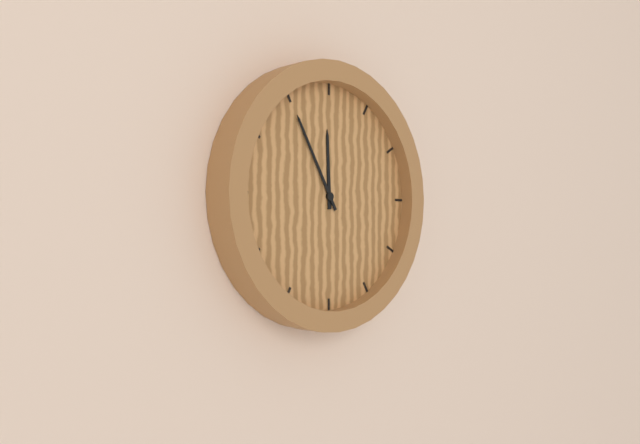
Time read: 11h55
